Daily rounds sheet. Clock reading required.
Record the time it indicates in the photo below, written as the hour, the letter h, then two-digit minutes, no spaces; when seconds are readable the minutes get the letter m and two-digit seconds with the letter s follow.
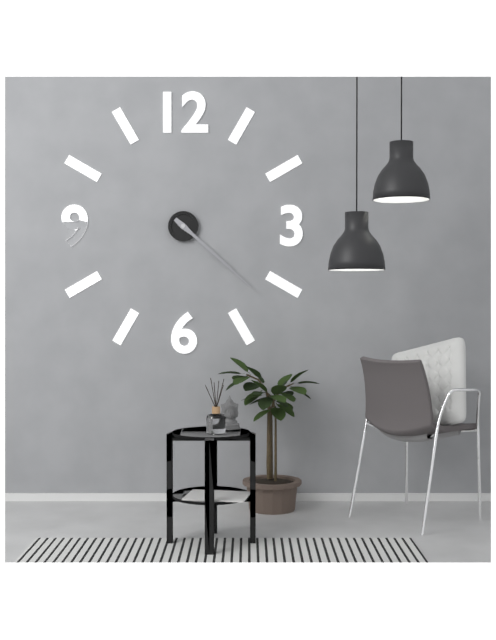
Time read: 4h22
